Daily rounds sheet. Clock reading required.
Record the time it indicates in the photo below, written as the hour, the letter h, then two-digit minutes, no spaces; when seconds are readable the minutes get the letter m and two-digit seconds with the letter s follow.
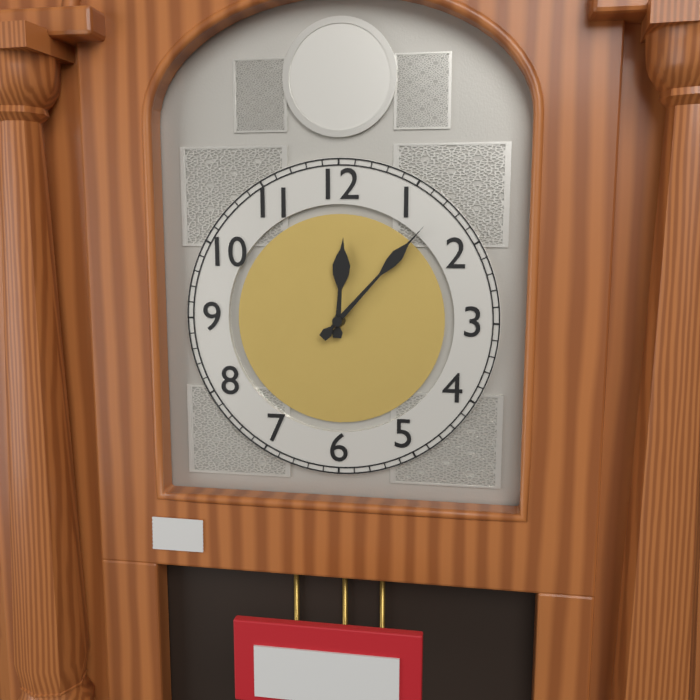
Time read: 12h07
